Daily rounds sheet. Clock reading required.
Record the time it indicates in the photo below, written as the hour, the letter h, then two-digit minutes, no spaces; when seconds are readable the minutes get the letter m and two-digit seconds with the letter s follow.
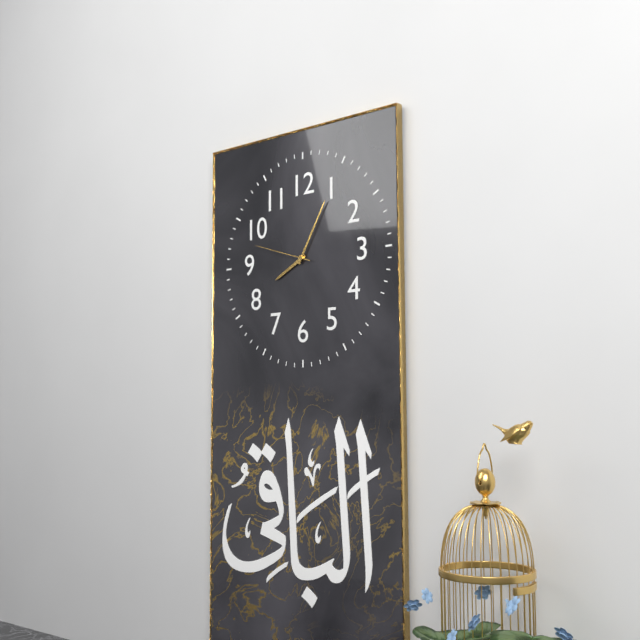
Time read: 8h05m48s
